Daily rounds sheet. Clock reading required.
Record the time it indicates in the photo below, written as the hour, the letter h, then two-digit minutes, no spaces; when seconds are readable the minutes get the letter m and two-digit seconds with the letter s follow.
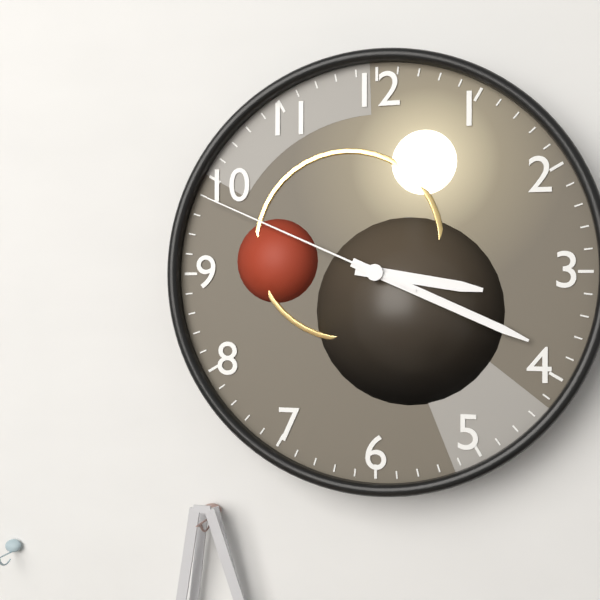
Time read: 3h19m49s
